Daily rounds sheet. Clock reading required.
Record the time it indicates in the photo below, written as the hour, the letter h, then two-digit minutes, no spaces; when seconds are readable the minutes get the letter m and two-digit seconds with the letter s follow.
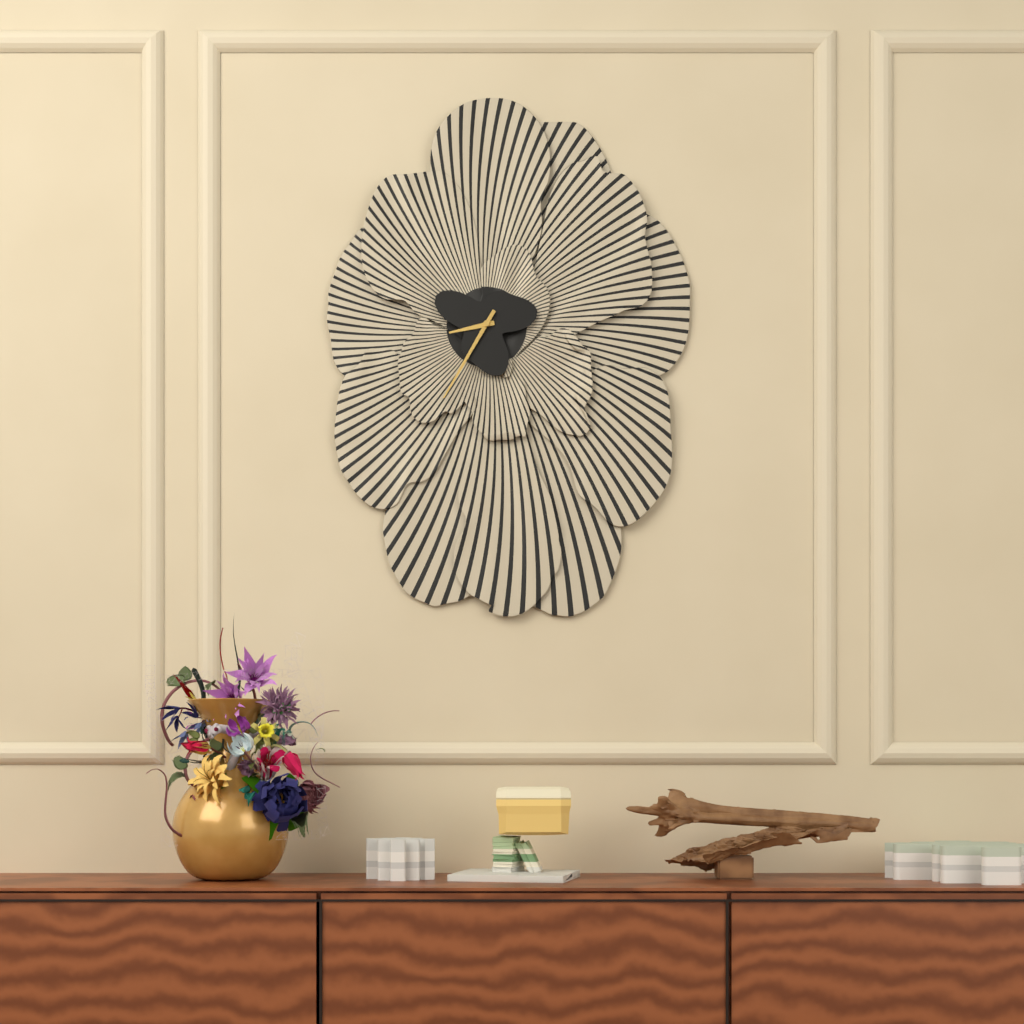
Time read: 8h35
